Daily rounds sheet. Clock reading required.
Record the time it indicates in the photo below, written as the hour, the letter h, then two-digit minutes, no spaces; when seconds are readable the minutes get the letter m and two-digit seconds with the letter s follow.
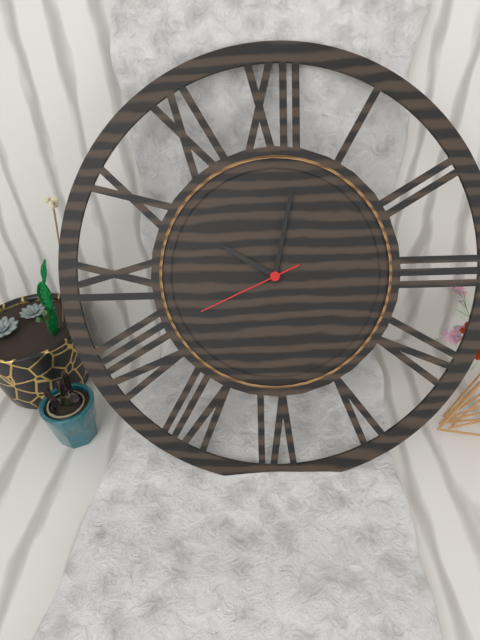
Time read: 10h02m41s
